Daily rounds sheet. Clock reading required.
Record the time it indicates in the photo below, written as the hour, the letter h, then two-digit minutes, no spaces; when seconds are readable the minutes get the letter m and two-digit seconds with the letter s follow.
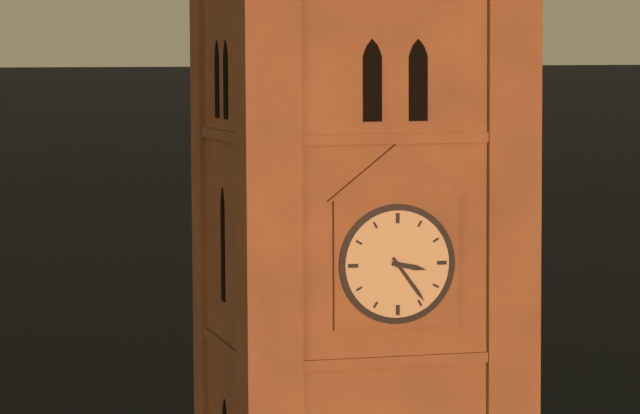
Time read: 3h24
